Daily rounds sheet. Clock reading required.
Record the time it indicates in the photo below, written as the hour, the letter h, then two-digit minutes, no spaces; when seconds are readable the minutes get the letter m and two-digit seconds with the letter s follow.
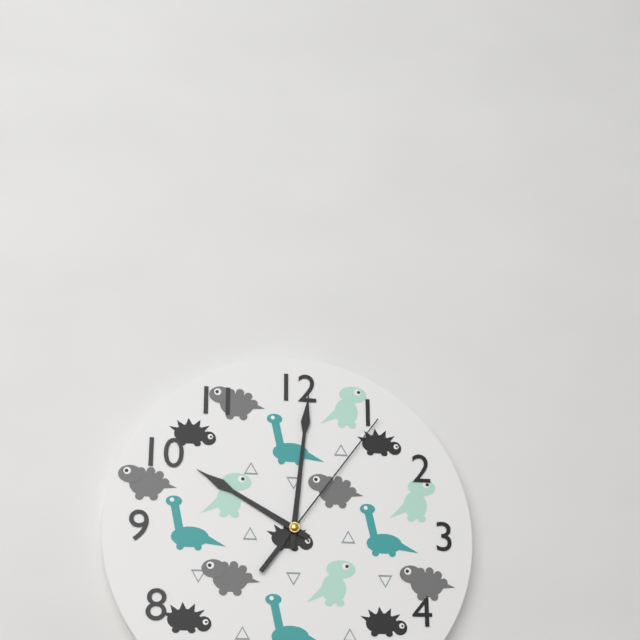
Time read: 10h01m06s
